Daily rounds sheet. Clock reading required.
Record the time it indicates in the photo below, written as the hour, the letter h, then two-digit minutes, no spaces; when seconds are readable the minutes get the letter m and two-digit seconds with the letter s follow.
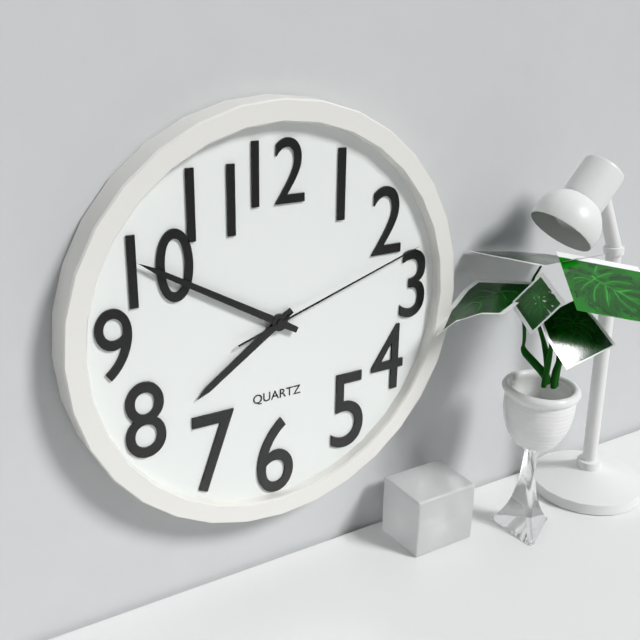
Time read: 7h50m12s
